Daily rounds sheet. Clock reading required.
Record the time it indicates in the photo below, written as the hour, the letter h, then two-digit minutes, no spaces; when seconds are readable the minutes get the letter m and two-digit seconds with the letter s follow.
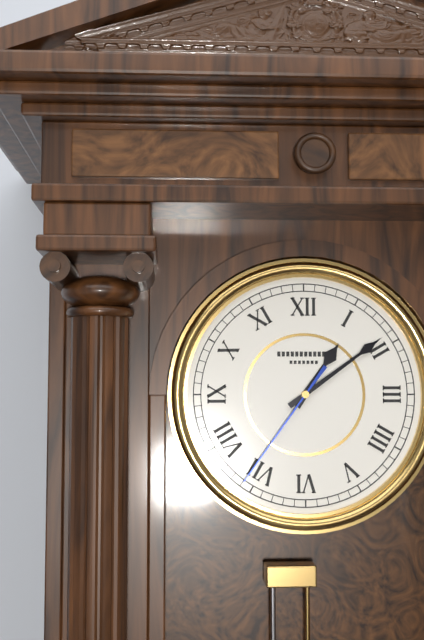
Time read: 1h09m36s
